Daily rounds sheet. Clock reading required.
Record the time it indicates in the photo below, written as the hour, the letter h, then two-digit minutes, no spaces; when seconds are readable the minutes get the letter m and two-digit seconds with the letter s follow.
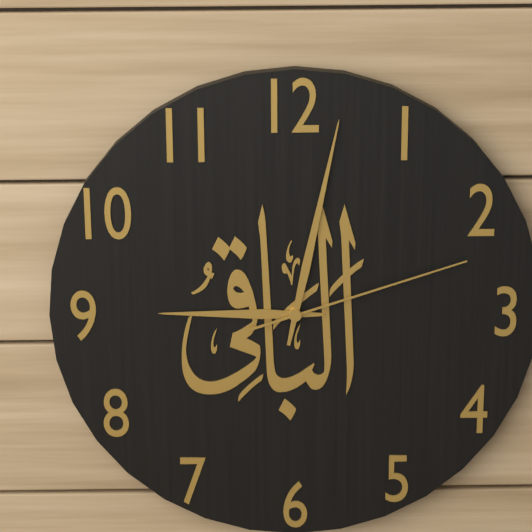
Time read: 9h02m12s
